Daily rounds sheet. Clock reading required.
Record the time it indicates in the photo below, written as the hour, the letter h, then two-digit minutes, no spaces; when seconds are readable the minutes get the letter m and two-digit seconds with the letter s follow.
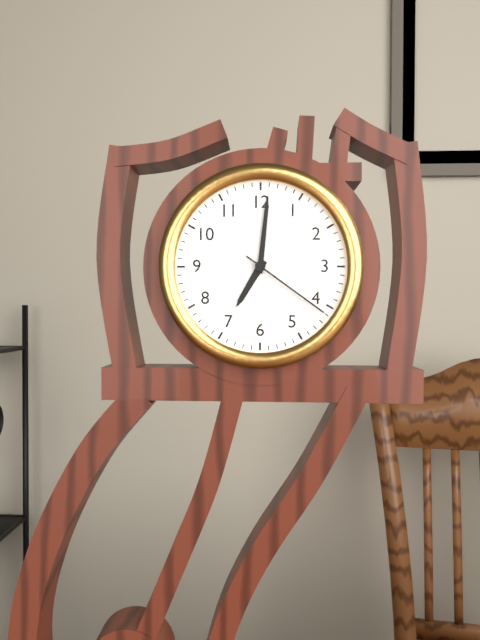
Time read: 7h01m21s
